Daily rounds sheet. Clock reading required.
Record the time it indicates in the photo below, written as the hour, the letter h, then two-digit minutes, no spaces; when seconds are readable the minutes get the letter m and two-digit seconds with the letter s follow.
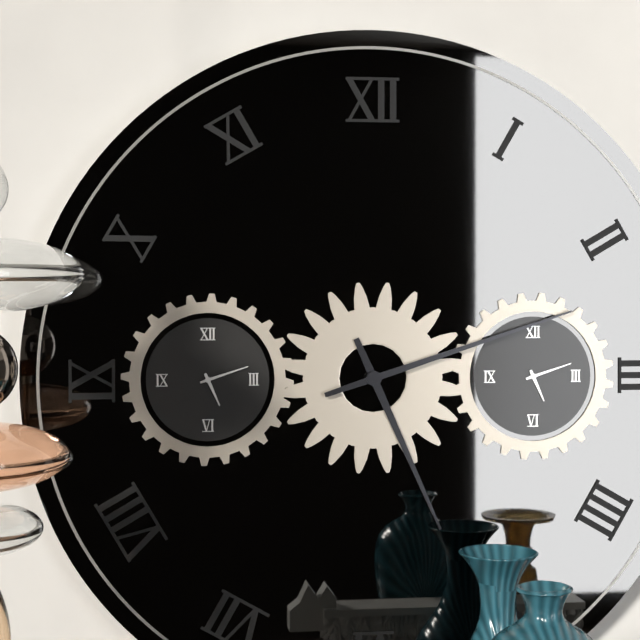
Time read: 5h12
